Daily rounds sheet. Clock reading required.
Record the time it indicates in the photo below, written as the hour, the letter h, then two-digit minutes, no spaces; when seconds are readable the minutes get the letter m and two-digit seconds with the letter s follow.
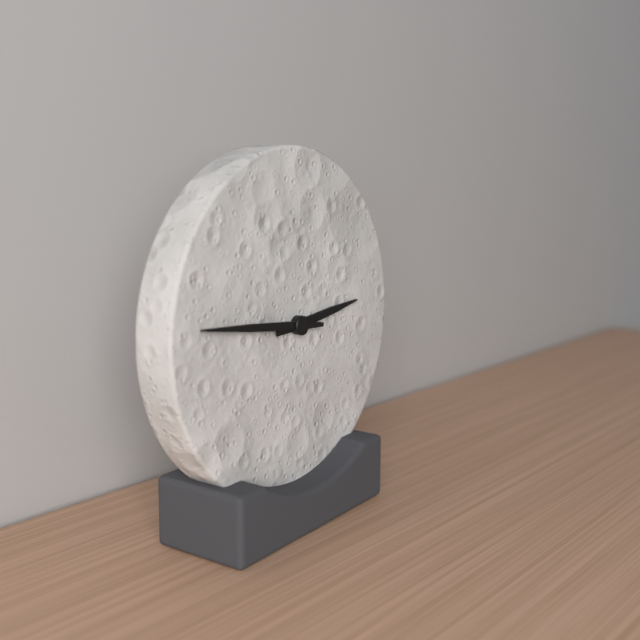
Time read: 2h46
